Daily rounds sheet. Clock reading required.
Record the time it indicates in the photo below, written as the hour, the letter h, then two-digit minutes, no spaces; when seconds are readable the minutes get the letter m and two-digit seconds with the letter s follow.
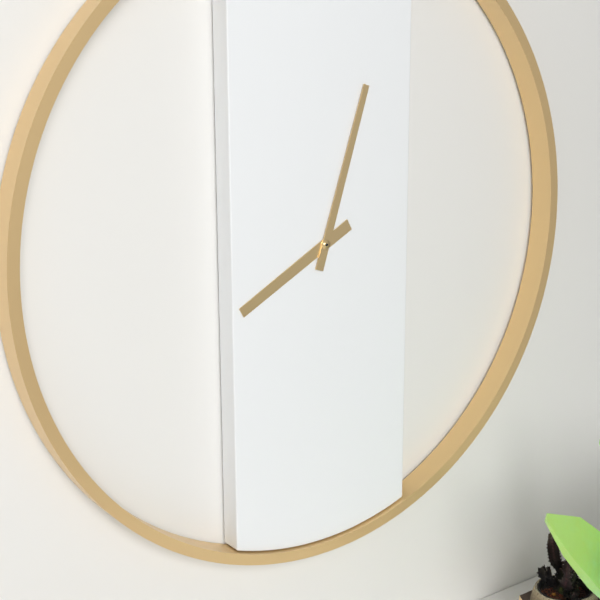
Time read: 8h03
